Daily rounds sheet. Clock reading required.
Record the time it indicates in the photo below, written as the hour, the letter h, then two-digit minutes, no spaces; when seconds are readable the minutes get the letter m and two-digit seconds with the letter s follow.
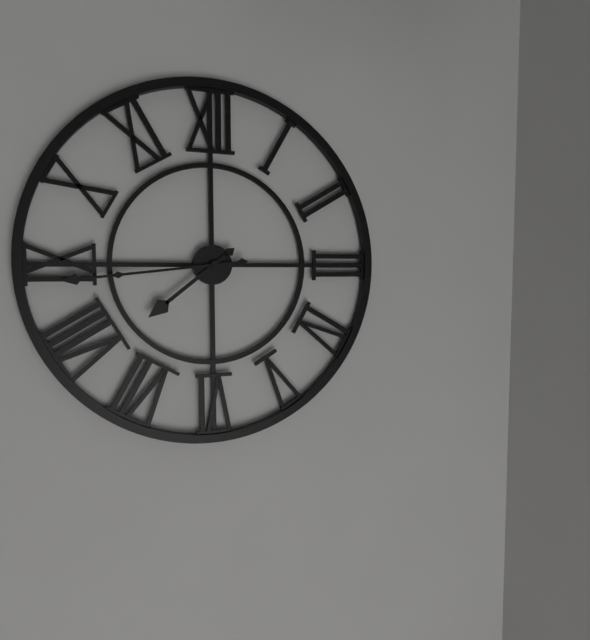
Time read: 7h44
